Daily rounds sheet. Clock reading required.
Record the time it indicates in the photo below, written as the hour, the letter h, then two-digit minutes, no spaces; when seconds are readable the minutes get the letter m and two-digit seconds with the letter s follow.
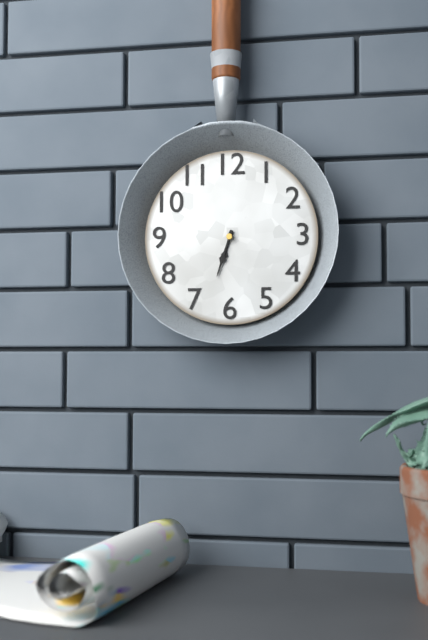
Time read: 6h33
